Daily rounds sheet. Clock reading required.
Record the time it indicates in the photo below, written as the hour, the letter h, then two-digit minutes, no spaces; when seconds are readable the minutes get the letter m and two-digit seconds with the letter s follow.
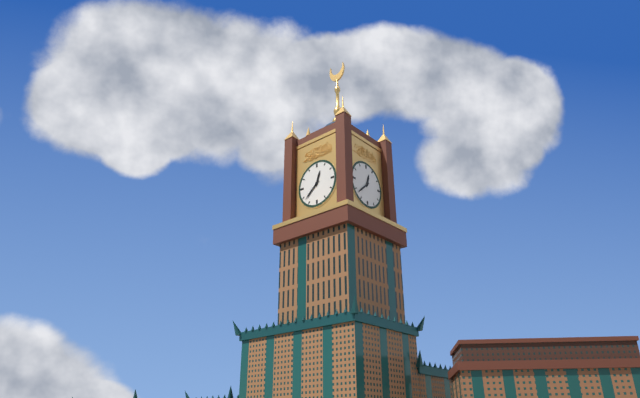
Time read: 12h38
